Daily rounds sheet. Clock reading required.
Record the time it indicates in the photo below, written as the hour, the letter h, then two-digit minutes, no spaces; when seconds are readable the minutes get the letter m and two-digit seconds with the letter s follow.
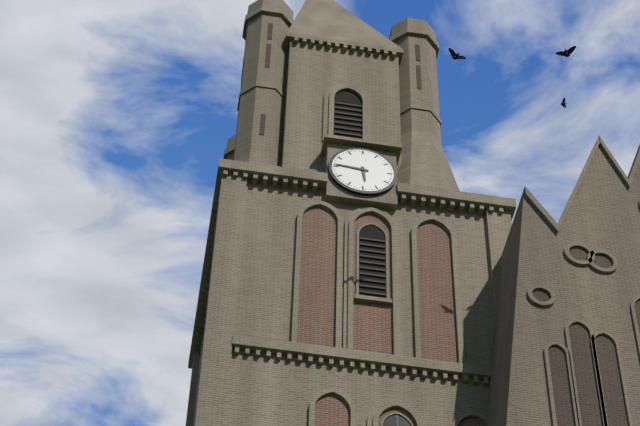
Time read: 5h46
